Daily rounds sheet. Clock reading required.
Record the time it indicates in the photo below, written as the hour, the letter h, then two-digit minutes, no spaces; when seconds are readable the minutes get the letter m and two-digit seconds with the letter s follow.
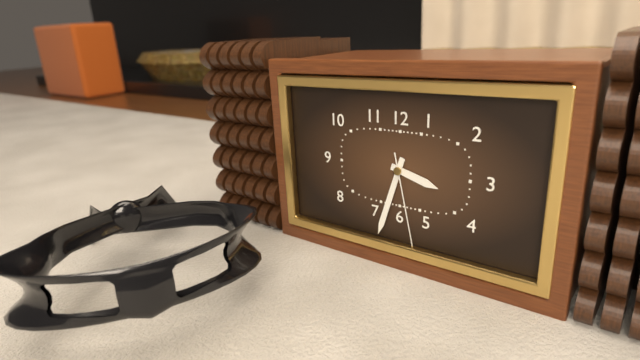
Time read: 3h33m28s
